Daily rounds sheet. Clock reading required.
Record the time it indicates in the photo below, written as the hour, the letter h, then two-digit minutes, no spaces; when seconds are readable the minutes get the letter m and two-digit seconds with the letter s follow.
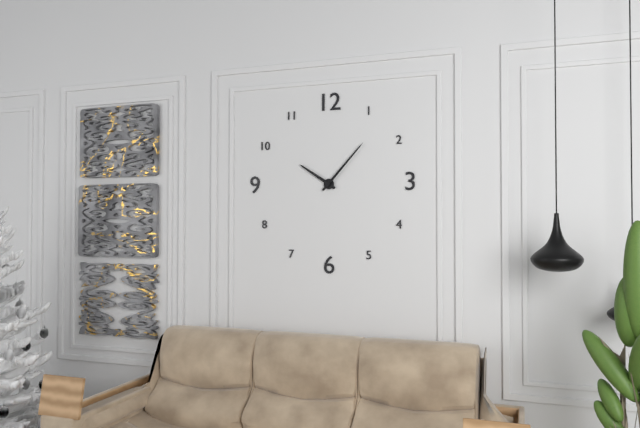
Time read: 10h07
